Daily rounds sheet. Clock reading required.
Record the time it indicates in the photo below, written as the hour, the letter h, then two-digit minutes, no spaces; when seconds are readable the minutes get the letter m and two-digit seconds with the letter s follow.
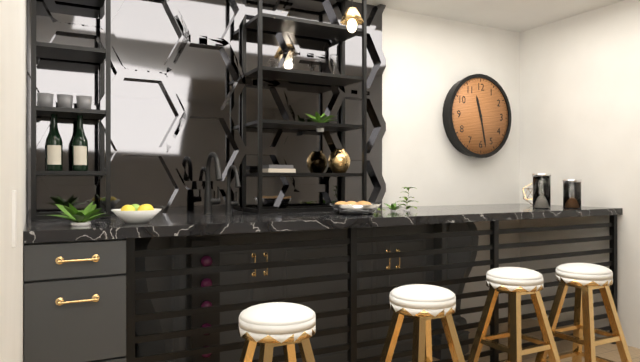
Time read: 11h28
